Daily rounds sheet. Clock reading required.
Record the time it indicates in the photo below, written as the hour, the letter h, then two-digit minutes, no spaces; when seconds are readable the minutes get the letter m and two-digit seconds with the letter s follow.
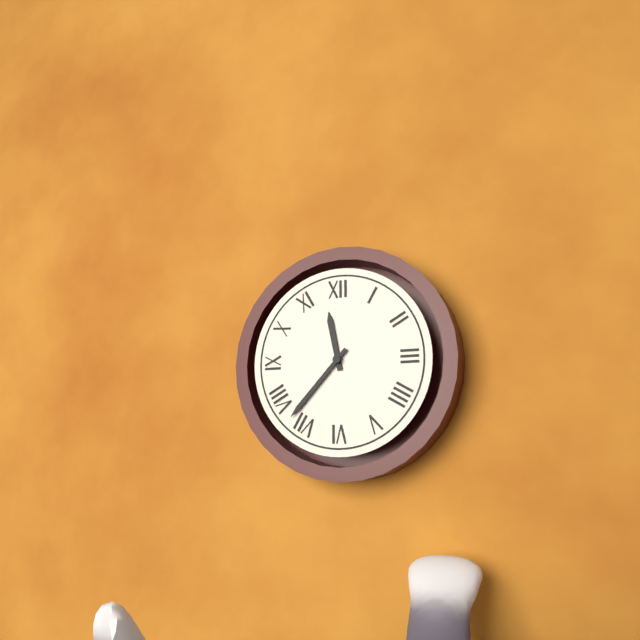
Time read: 11h37
